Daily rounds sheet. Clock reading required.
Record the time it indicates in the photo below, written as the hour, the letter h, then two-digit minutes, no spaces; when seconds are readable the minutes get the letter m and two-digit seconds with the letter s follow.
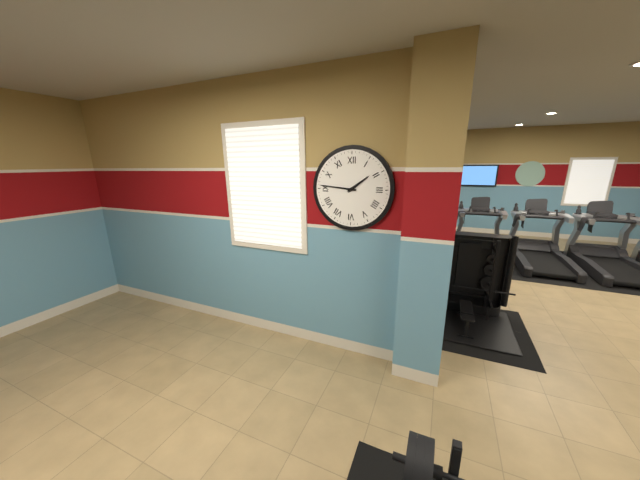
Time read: 1h46
